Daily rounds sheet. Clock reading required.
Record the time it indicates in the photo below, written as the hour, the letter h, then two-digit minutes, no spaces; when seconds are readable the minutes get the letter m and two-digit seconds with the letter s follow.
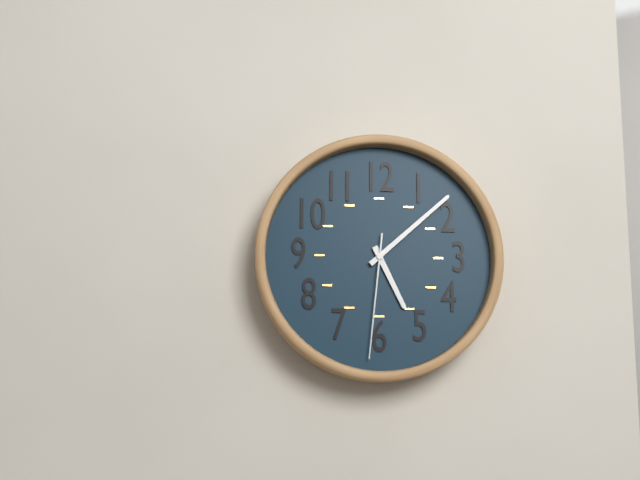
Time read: 5h08m31s
